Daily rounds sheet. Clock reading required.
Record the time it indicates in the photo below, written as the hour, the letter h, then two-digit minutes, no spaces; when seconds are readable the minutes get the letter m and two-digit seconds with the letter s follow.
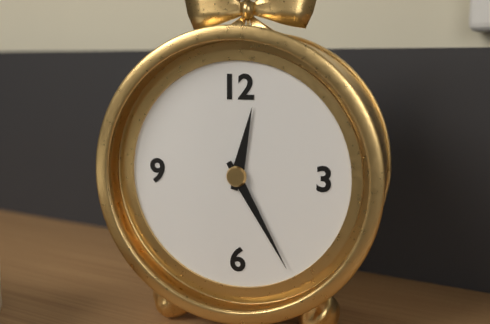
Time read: 12h25
